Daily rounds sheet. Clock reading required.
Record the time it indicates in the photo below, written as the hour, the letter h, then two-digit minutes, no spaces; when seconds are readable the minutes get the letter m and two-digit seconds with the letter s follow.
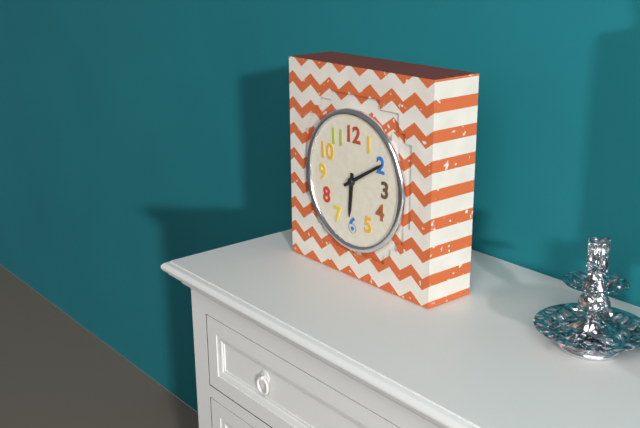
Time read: 6h10
